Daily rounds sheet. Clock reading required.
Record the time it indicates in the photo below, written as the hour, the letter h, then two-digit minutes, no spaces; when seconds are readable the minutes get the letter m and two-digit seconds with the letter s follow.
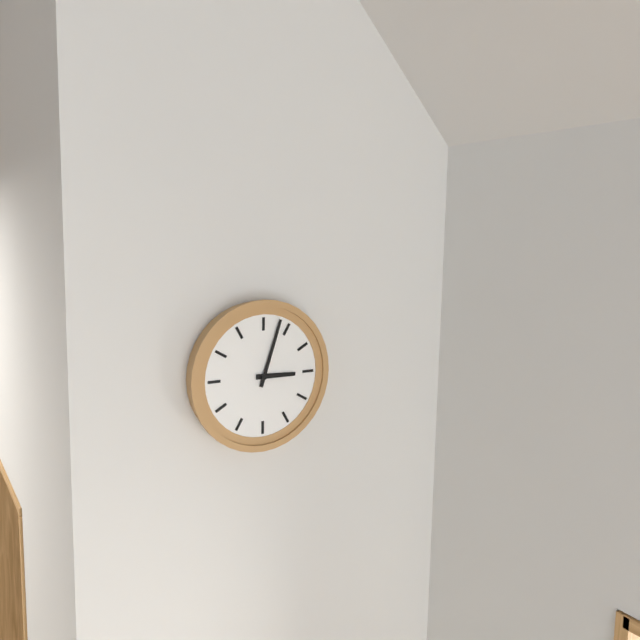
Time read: 3h03
